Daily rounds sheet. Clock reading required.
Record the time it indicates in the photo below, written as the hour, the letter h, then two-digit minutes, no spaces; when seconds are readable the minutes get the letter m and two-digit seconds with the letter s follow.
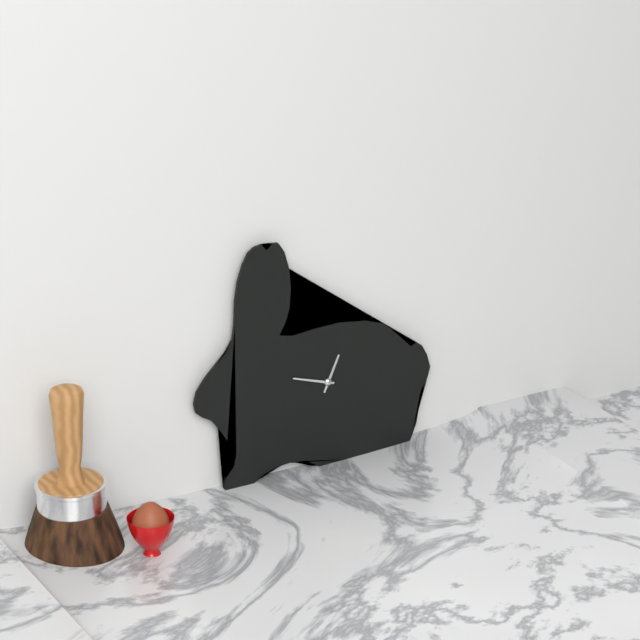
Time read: 12h48
